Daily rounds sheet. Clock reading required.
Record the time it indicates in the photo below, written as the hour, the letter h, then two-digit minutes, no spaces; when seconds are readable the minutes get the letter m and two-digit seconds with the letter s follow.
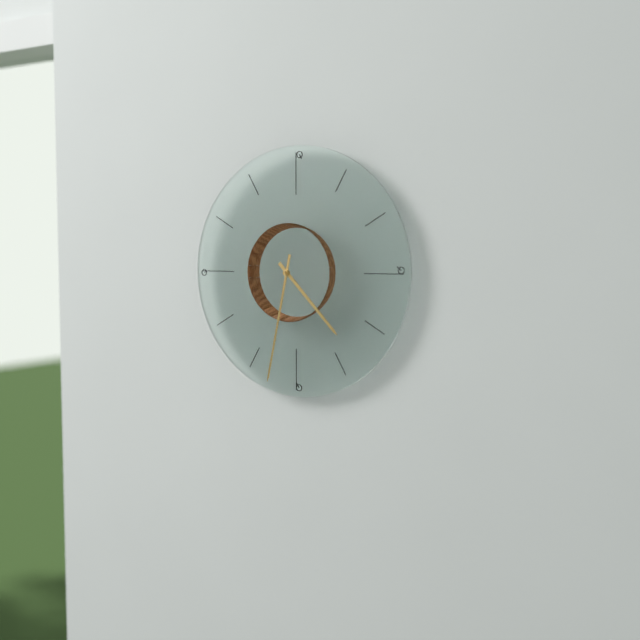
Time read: 4h32
